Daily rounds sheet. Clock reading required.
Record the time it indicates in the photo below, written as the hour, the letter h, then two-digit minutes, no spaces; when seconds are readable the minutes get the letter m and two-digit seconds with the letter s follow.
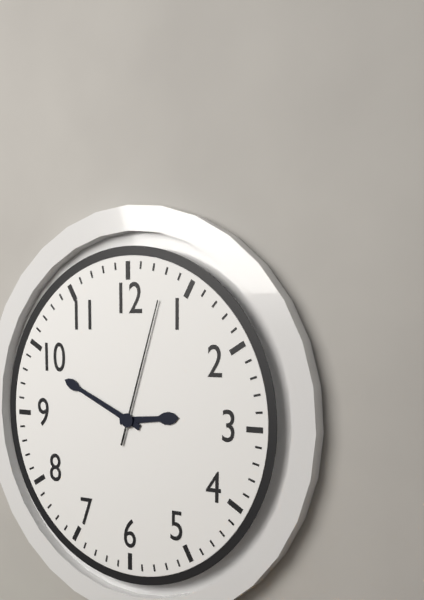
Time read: 2h49m03s
